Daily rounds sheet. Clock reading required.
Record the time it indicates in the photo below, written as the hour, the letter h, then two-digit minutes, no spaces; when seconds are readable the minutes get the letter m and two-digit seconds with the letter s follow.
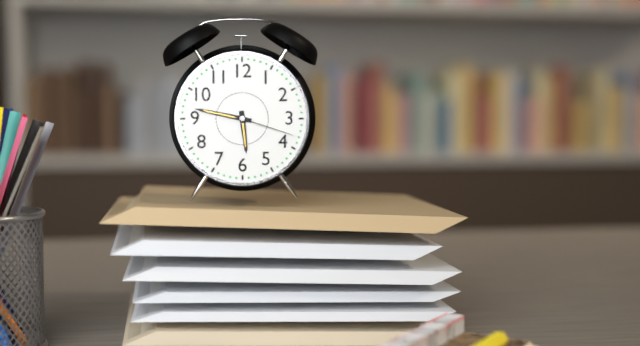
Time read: 5h47m18s
